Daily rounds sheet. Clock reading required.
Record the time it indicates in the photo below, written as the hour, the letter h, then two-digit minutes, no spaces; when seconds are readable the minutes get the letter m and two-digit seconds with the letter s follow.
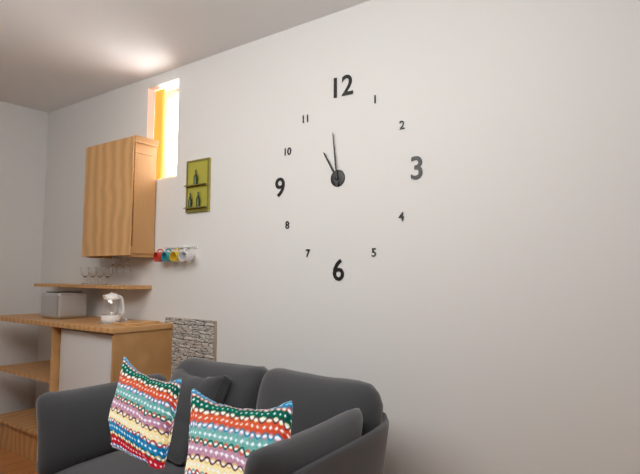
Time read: 10h59
